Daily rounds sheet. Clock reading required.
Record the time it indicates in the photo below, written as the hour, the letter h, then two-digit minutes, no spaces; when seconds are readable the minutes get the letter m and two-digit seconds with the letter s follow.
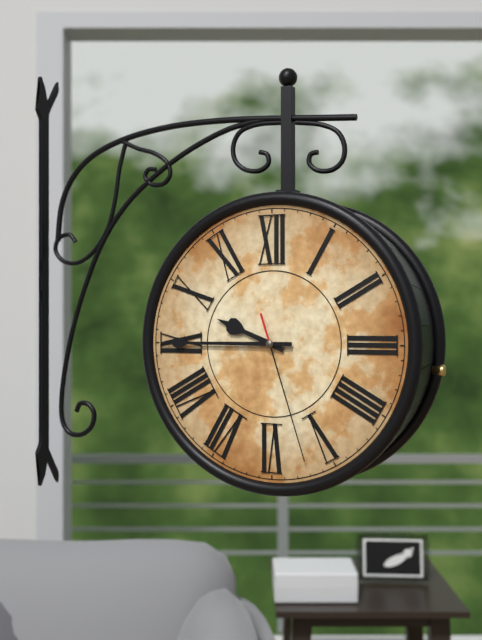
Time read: 9h45m27s
